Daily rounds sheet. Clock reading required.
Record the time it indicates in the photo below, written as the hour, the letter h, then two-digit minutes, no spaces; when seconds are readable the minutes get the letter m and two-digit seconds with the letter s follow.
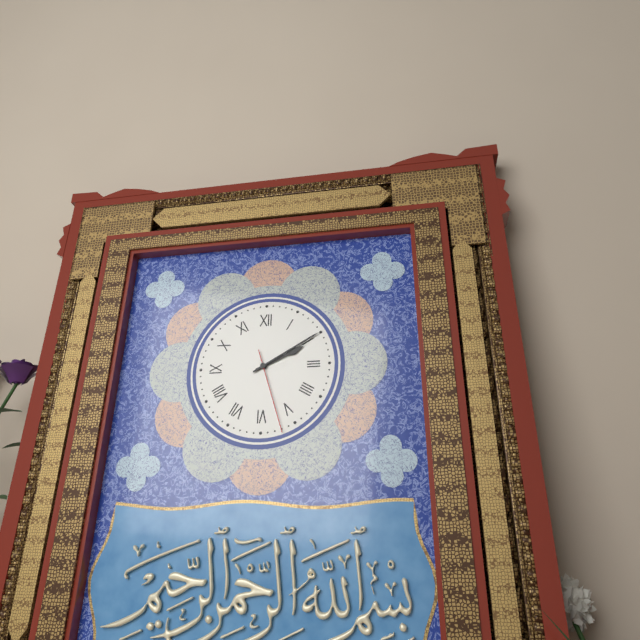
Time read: 2h10m27s
